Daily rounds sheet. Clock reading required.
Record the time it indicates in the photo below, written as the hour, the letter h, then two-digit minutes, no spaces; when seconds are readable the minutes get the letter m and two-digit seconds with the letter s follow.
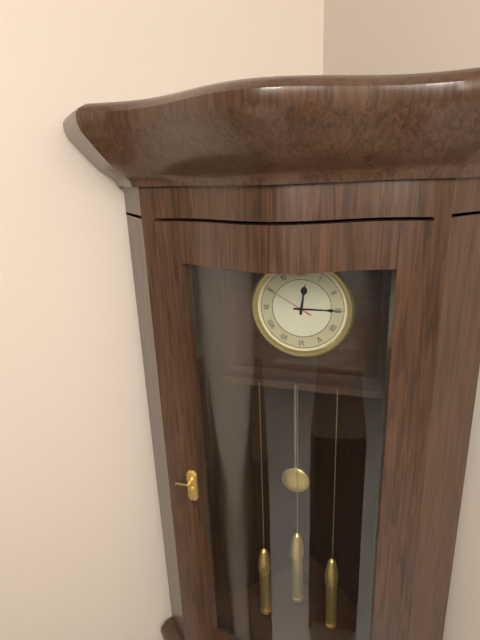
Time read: 12h15m50s
